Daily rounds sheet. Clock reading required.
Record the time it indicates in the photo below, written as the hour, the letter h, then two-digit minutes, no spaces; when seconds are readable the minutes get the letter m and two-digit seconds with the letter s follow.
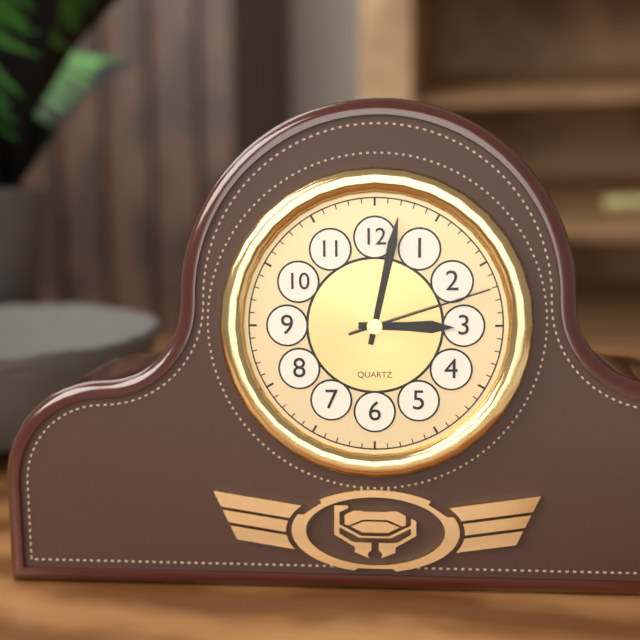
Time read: 3h02m12s
